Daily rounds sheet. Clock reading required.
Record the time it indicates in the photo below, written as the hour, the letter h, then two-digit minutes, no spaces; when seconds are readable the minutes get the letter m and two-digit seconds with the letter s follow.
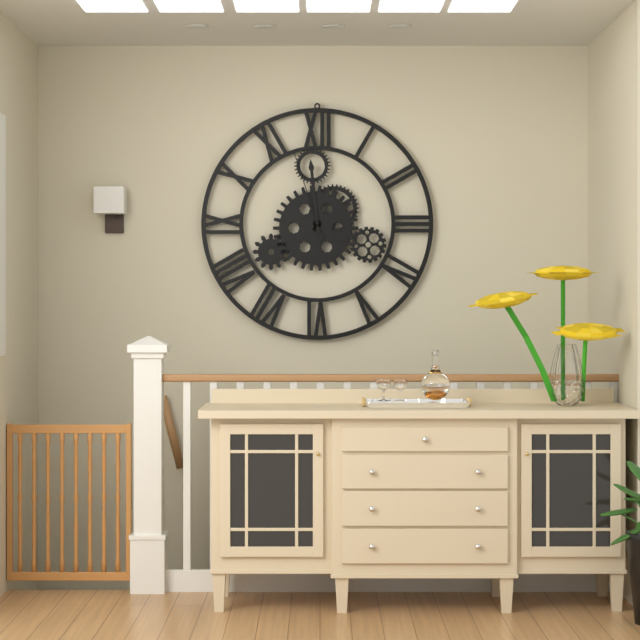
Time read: 3h59m57s
